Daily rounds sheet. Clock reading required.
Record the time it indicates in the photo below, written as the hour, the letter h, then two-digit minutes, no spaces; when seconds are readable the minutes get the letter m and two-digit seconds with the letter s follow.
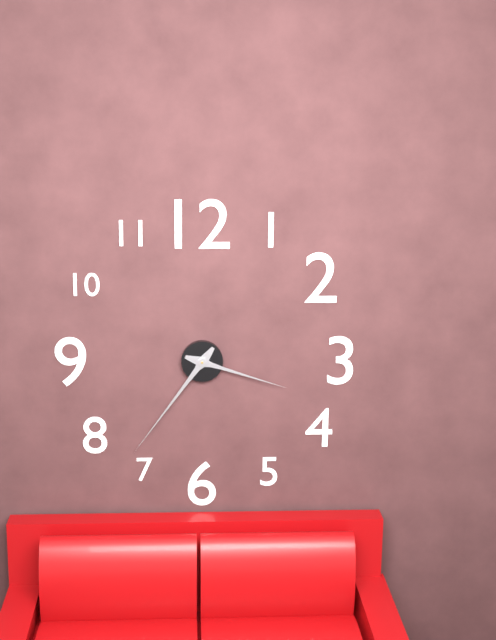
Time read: 3h36
